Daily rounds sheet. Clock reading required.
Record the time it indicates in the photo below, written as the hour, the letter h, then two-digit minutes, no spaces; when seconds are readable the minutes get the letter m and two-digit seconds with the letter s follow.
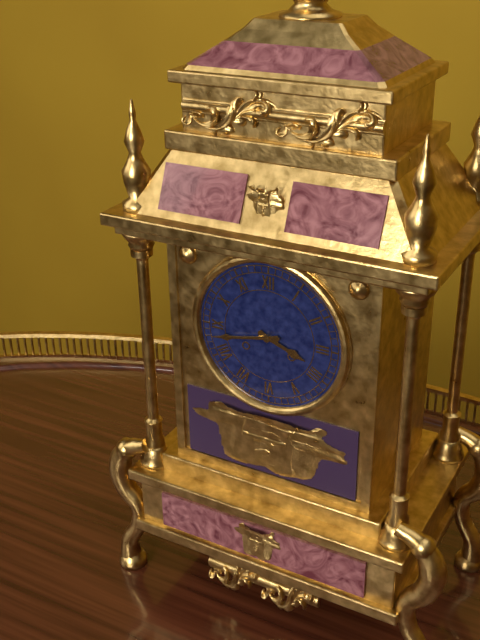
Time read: 3h43
